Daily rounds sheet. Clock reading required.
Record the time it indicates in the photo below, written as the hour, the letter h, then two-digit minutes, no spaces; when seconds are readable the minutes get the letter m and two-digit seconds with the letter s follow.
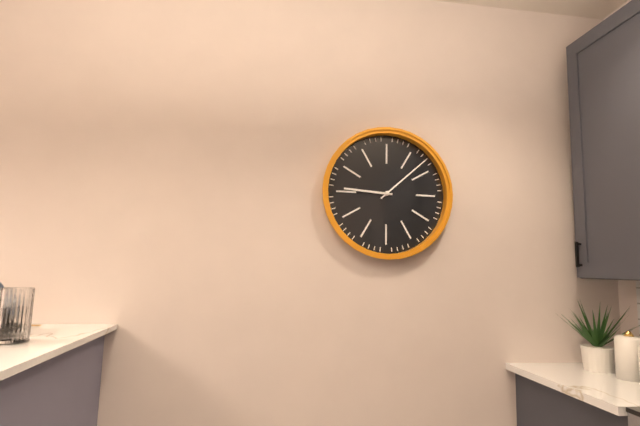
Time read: 9h08
